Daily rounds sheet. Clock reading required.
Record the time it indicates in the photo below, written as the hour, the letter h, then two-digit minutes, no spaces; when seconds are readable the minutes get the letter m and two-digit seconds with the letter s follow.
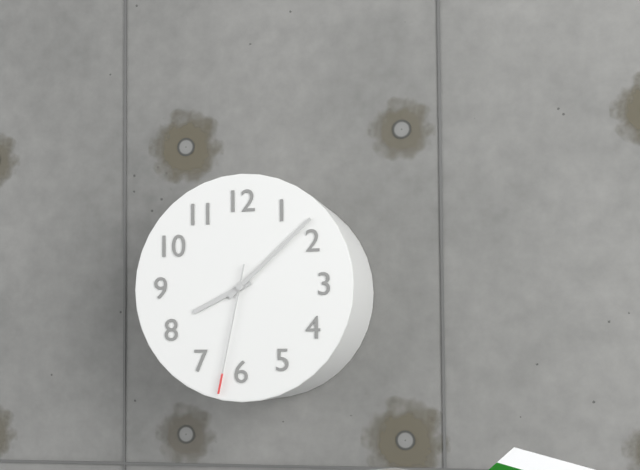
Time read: 8h08m32s
